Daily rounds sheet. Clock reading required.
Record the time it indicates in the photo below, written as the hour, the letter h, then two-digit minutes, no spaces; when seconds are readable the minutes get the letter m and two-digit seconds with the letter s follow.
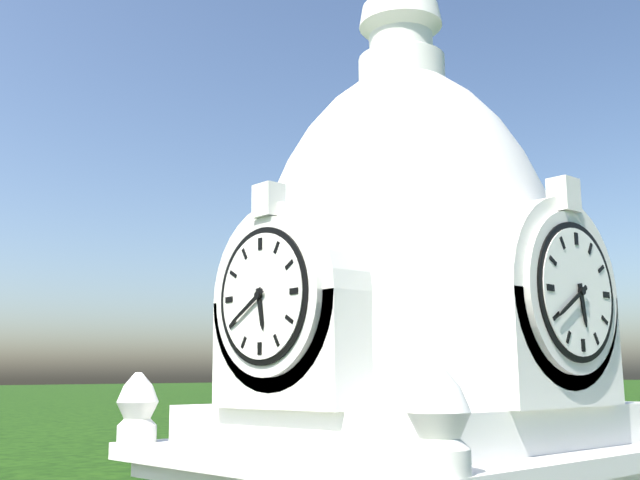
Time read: 5h40
